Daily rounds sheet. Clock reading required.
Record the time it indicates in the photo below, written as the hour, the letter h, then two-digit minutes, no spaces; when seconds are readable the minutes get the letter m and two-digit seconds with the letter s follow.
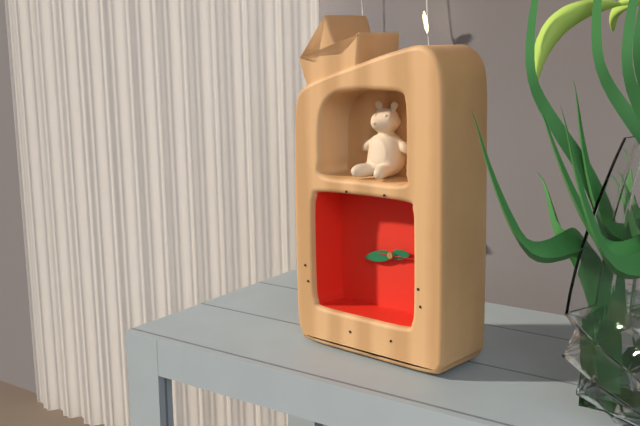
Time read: 2h43
